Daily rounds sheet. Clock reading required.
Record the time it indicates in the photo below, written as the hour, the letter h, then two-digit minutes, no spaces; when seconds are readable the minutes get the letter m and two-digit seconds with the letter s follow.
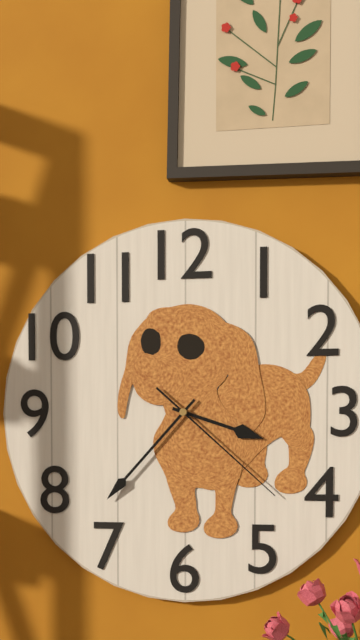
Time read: 3h37m22s
